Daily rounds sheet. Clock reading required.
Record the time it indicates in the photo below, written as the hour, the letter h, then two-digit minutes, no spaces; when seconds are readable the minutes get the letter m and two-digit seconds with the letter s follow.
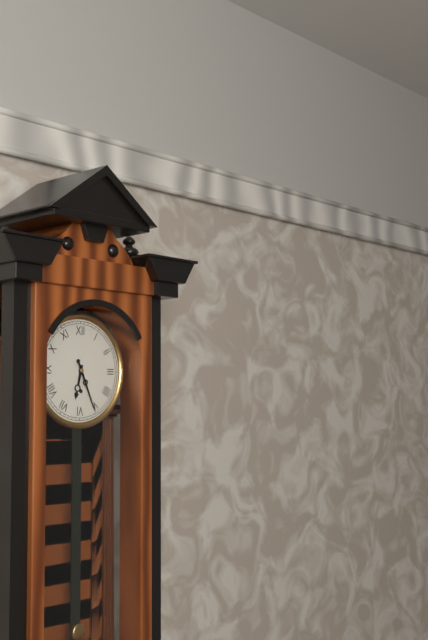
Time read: 6h26
